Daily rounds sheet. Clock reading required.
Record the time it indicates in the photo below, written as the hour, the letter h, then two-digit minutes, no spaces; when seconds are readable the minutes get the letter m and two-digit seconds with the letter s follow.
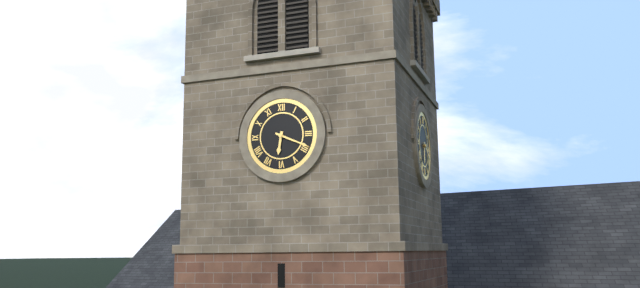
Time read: 6h19
